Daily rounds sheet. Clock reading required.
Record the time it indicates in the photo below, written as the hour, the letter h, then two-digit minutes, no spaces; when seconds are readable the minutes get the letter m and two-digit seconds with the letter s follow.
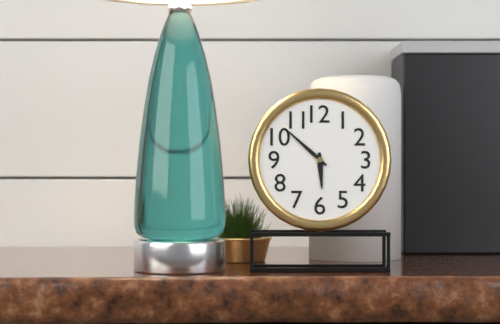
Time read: 5h52
